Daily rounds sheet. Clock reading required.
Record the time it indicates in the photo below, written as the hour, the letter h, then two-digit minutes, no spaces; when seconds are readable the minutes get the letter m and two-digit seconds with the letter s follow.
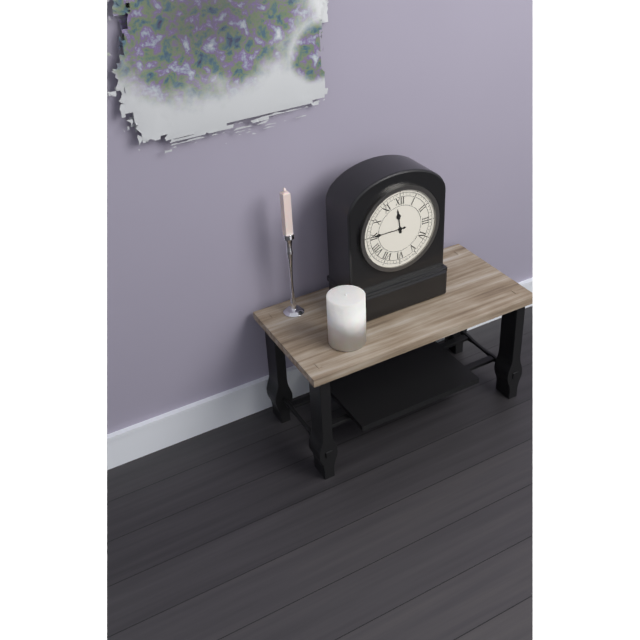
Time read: 11h45
